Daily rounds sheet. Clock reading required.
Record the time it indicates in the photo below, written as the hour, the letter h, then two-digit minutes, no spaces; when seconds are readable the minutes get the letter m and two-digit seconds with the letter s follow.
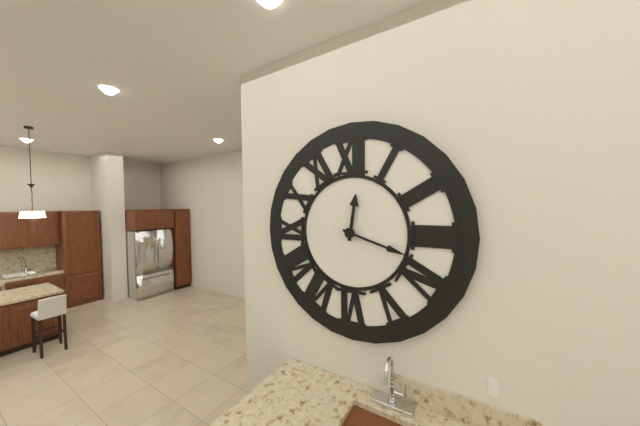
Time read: 12h18
